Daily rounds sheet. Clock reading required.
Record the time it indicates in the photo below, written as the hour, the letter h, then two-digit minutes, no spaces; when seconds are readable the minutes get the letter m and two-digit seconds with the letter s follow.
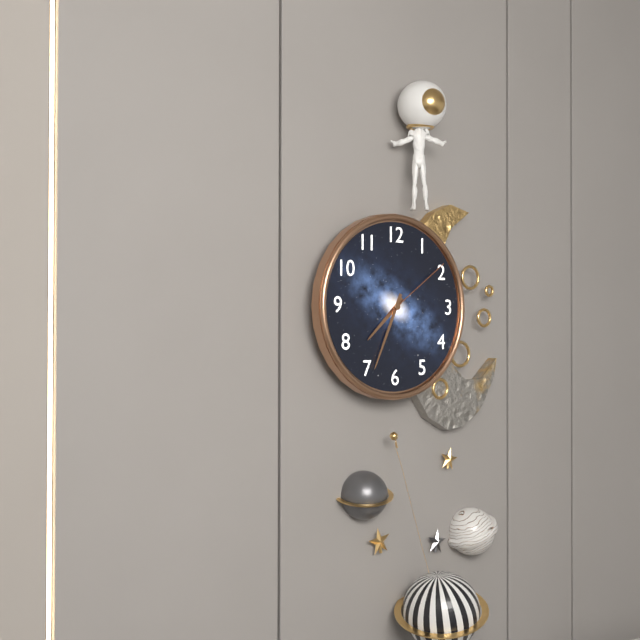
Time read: 7h34m09s
